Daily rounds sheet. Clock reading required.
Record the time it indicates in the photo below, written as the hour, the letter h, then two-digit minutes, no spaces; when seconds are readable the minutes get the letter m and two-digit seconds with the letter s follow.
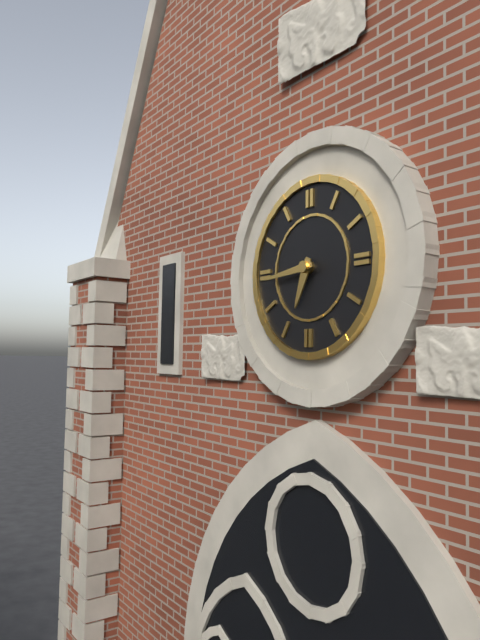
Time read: 6h44
